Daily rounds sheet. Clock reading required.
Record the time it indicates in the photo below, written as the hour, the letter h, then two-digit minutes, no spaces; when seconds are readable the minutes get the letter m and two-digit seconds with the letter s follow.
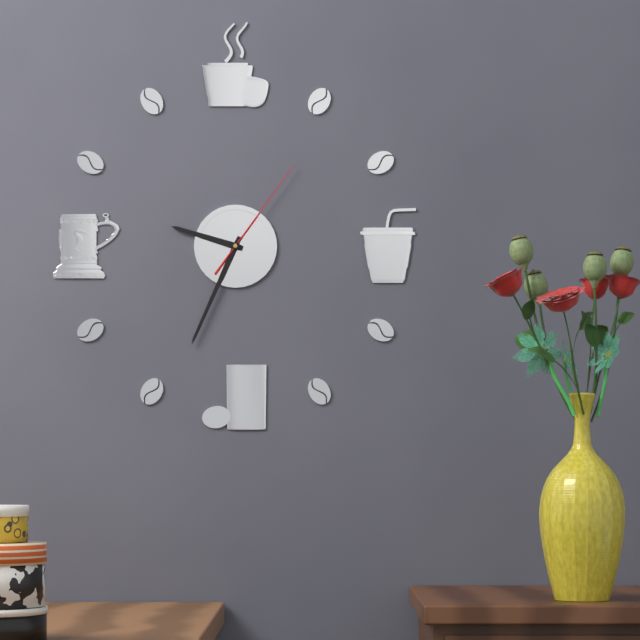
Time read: 9h34m06s
